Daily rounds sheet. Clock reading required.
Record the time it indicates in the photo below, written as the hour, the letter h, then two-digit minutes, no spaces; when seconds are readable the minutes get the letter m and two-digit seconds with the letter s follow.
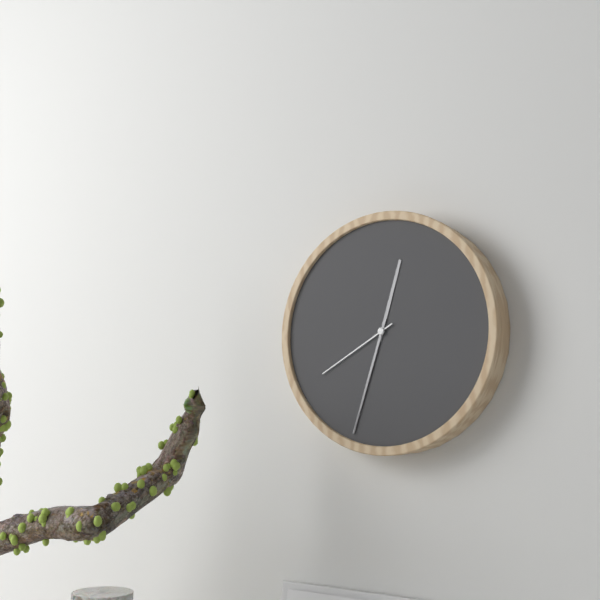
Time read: 12h33m40s
